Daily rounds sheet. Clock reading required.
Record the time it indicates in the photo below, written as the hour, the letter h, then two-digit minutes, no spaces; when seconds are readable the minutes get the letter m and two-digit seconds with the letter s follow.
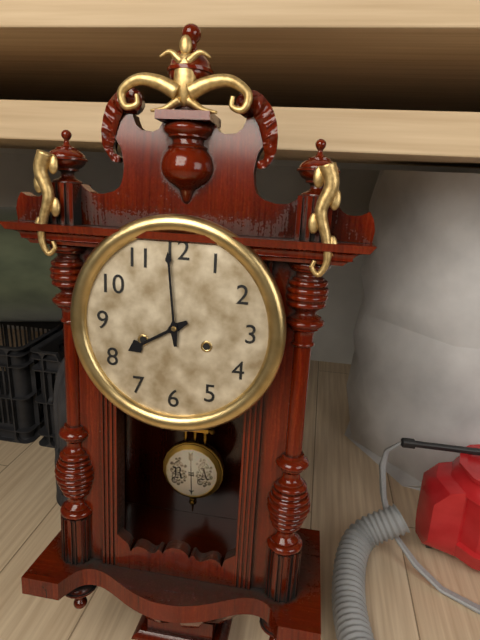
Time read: 7h59
